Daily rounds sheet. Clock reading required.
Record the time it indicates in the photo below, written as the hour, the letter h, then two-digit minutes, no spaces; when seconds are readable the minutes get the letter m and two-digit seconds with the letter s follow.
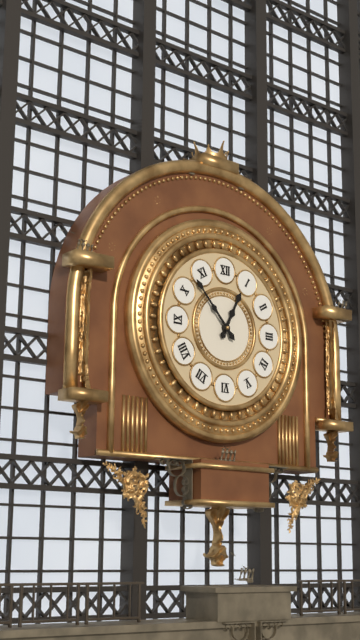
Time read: 12h53
